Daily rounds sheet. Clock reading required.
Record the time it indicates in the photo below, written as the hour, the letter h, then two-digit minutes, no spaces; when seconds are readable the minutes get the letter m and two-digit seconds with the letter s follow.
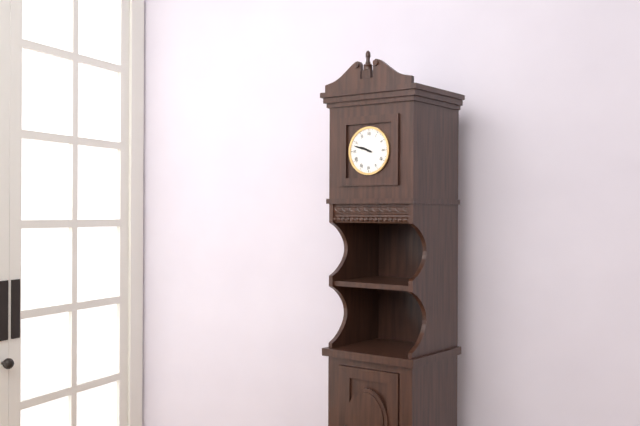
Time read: 9h48
